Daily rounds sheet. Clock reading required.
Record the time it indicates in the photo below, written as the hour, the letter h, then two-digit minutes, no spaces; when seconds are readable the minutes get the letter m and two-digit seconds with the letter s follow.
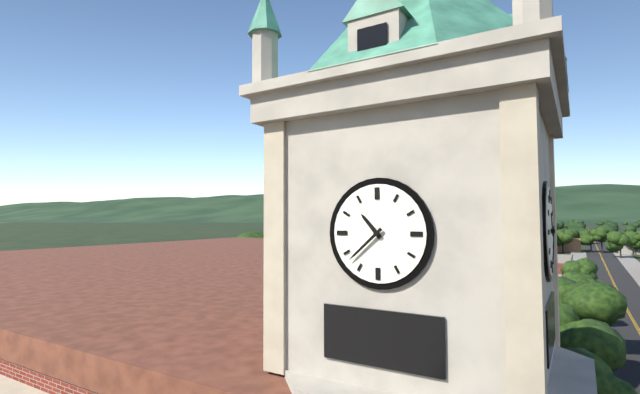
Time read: 10h38
